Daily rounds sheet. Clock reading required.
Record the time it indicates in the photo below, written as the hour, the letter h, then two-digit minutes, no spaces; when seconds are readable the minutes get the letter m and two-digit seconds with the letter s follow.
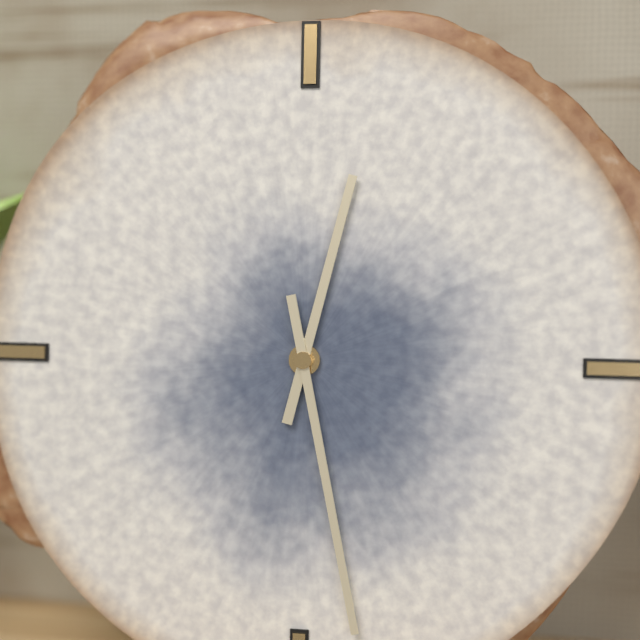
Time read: 12h28
